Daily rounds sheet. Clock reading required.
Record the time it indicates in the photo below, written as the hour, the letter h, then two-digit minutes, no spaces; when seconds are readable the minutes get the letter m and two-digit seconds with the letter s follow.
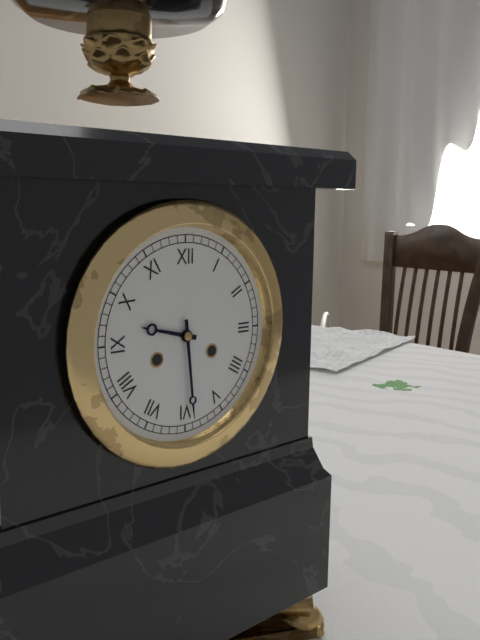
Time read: 9h29
